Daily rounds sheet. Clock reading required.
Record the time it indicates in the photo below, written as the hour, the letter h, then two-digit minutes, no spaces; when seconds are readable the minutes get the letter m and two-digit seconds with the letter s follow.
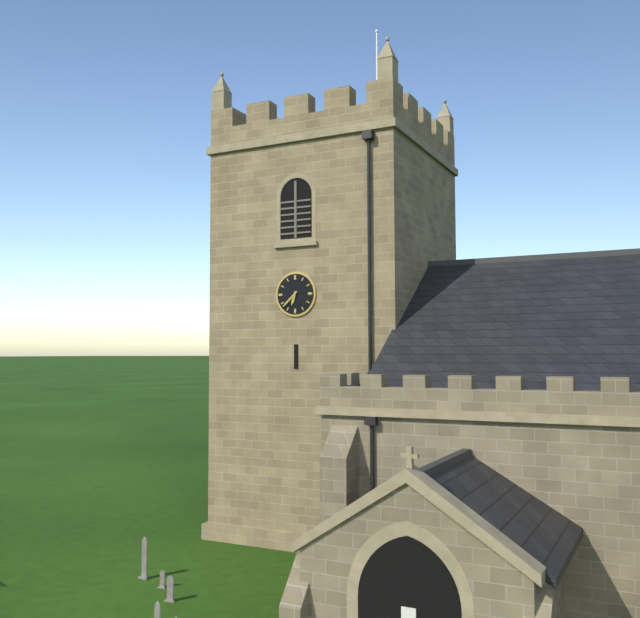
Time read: 6h38
